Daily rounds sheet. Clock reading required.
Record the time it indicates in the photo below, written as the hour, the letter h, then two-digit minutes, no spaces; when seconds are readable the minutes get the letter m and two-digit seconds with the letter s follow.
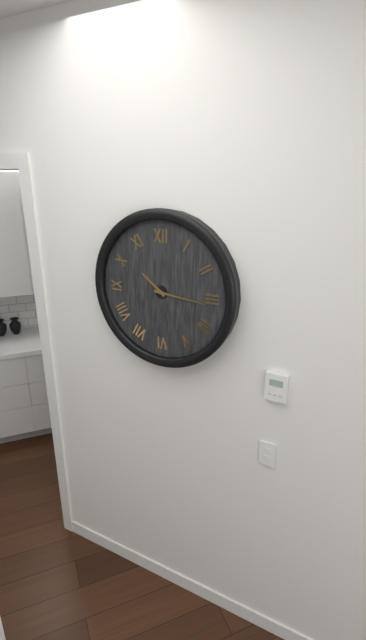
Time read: 10h16
